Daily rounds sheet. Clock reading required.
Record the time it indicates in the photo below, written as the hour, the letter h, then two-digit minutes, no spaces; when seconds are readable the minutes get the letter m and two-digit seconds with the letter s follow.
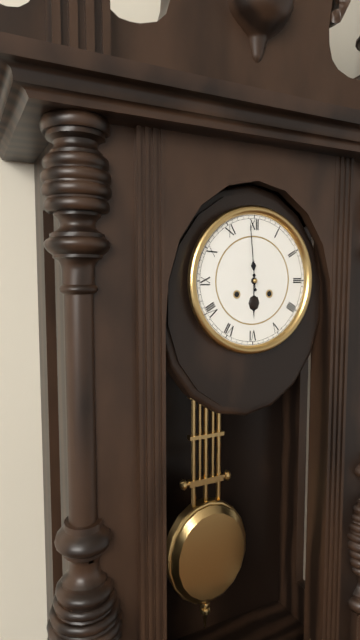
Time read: 5h59
